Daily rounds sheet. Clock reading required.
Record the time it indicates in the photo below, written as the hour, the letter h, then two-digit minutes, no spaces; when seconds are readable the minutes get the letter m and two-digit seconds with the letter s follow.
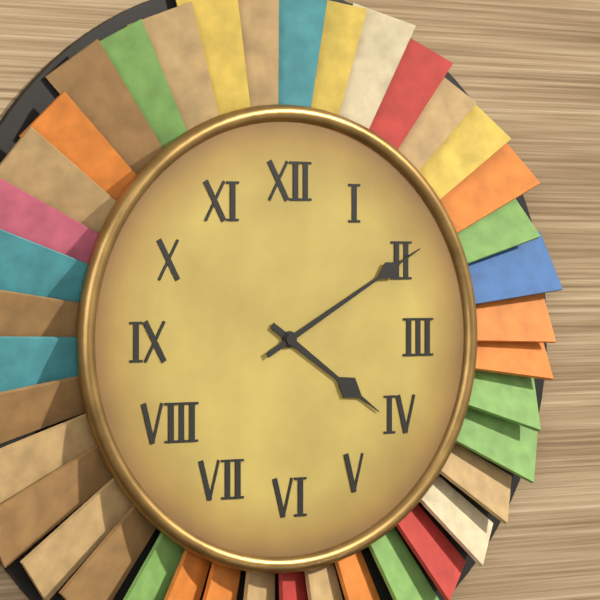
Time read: 4h10
